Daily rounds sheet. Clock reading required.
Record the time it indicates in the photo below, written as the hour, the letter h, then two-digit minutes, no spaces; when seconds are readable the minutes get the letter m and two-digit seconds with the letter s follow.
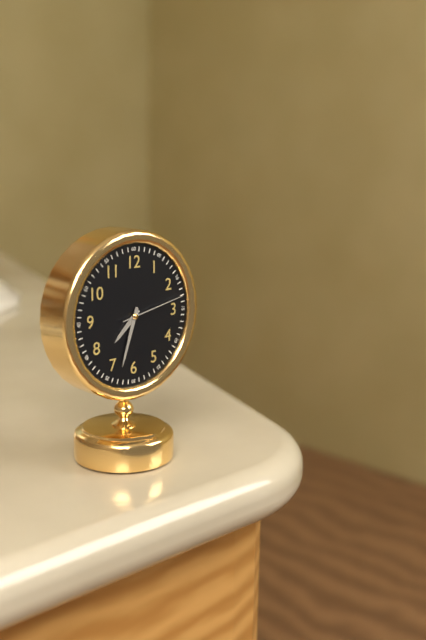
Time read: 7h33m13s
